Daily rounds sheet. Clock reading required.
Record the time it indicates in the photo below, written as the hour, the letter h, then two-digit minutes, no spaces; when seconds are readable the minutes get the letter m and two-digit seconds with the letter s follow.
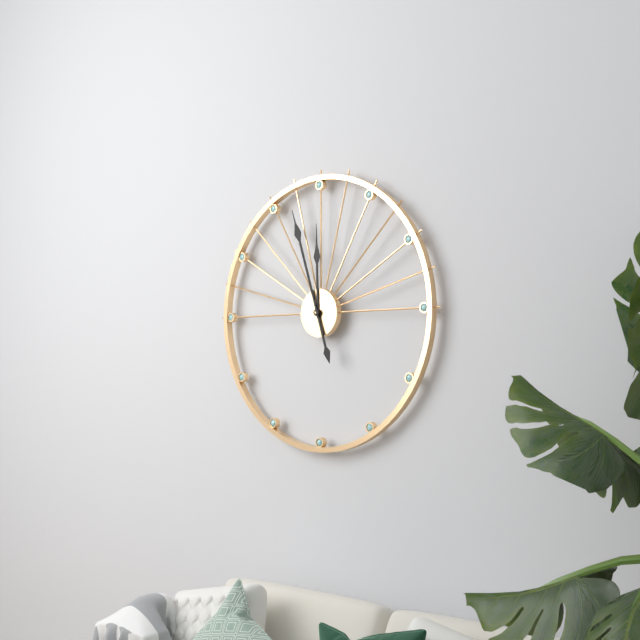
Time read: 11h57
